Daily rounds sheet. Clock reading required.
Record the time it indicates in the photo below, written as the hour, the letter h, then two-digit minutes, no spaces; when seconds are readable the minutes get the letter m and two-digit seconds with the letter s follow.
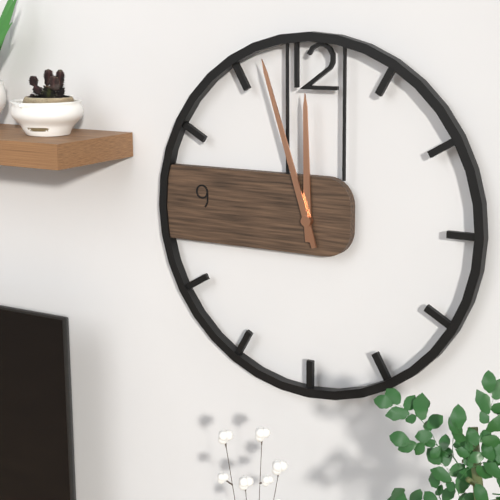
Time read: 11h57
